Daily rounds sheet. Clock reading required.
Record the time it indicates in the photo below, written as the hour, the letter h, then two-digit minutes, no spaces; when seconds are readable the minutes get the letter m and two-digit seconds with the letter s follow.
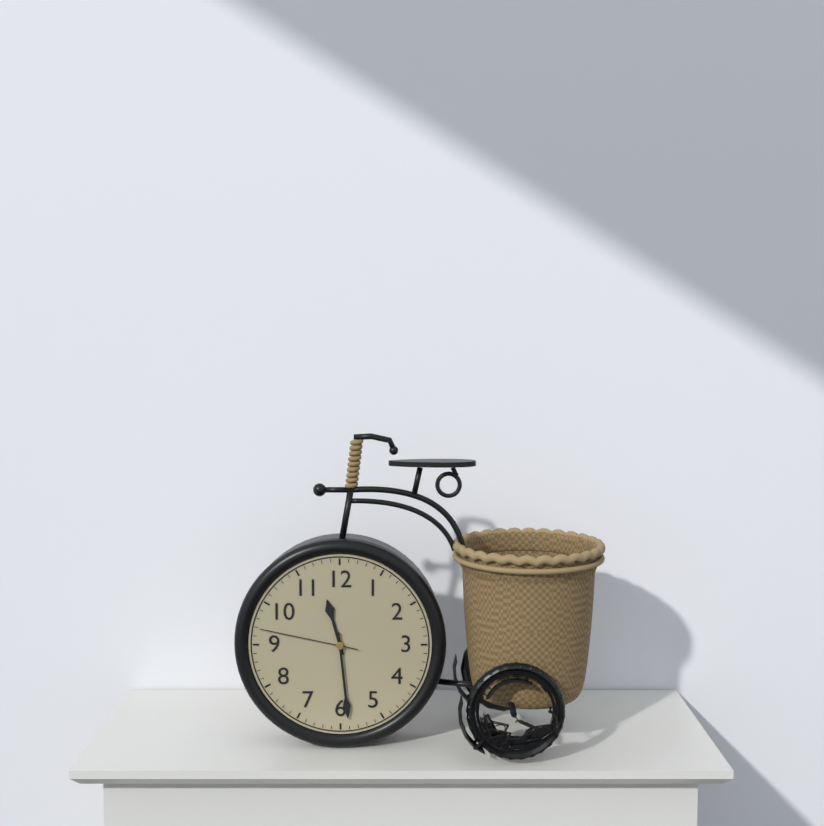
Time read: 11h29m47s
